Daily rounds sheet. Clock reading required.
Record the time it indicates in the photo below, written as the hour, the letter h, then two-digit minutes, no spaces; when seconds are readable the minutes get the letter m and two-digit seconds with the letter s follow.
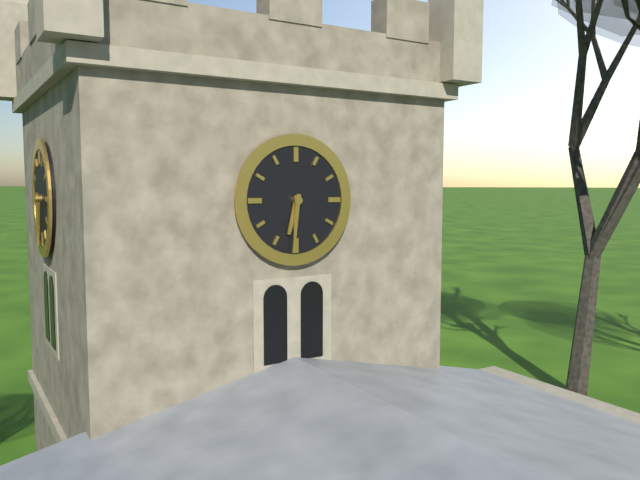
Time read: 6h31
